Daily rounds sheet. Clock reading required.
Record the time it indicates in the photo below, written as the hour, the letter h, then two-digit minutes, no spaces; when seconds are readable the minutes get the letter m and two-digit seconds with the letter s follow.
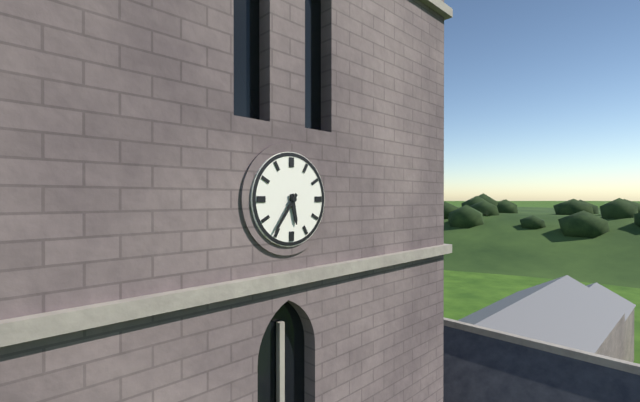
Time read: 5h36
